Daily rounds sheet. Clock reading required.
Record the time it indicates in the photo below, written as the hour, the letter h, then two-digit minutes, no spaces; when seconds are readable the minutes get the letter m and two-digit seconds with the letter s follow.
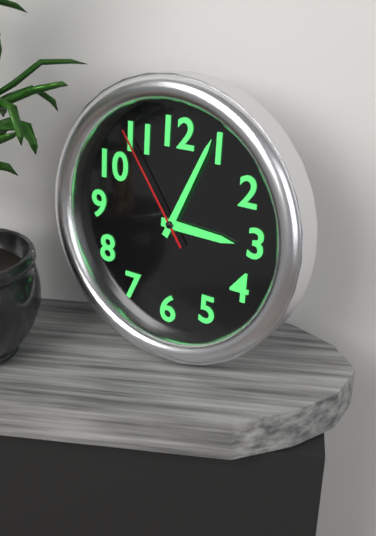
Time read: 3h04m54s
